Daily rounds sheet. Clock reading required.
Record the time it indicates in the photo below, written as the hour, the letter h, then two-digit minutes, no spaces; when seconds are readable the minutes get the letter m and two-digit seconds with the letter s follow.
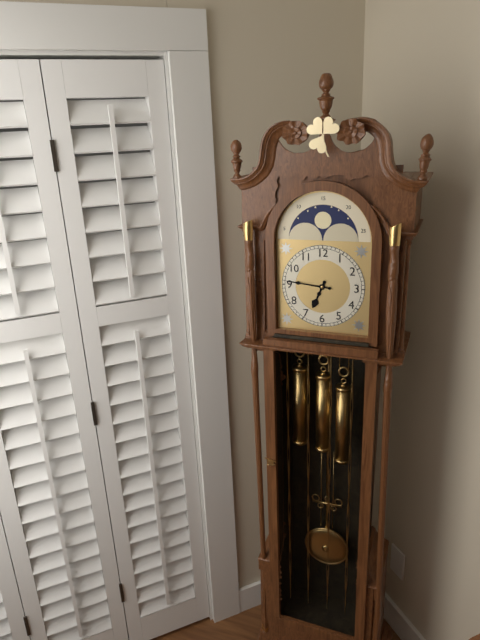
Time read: 6h46
